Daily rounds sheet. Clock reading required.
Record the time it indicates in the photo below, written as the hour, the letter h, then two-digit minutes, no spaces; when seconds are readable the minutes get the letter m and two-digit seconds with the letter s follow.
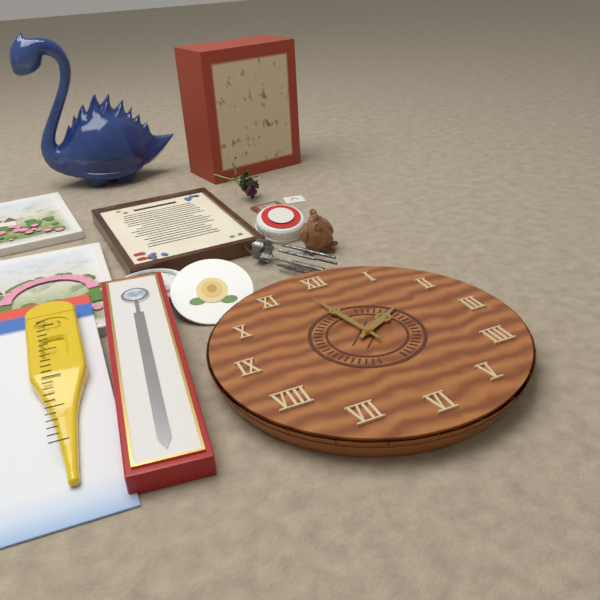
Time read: 1h58
